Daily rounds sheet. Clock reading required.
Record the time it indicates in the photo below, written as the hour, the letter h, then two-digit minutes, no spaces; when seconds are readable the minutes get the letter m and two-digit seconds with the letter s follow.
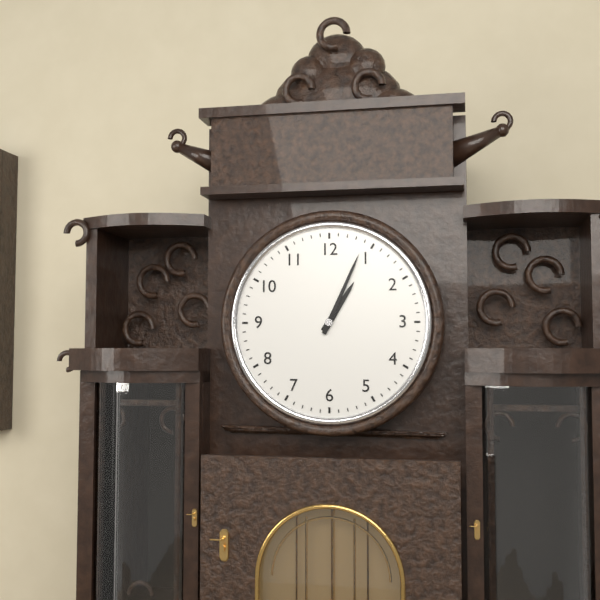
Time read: 1h04
